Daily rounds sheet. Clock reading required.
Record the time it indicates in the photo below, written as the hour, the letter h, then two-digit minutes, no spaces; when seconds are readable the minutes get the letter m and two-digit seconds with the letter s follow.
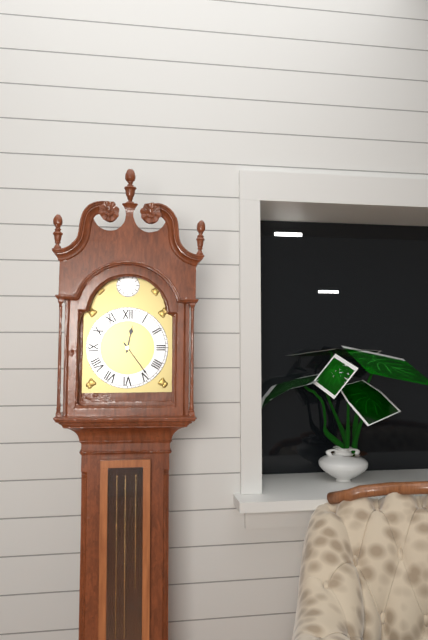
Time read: 12h24
